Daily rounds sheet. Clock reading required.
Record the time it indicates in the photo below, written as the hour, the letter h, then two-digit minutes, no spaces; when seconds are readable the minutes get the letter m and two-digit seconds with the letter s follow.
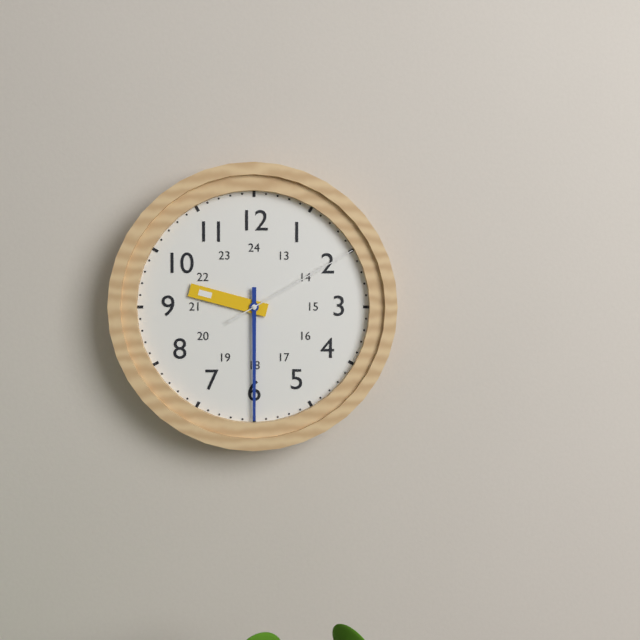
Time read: 9h30m10s
